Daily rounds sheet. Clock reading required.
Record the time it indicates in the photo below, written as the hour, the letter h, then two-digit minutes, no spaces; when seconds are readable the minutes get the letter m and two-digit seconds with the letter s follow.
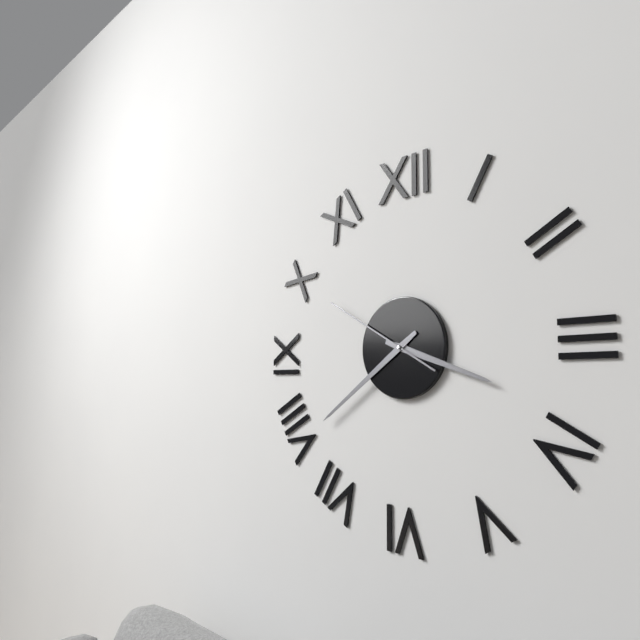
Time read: 3h39m50s
